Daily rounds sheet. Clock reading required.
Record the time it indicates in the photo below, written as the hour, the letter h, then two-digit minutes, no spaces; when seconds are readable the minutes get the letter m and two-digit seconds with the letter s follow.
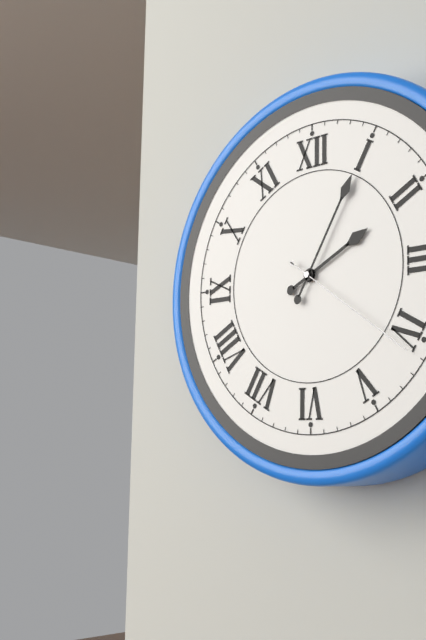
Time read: 2h05m21s
